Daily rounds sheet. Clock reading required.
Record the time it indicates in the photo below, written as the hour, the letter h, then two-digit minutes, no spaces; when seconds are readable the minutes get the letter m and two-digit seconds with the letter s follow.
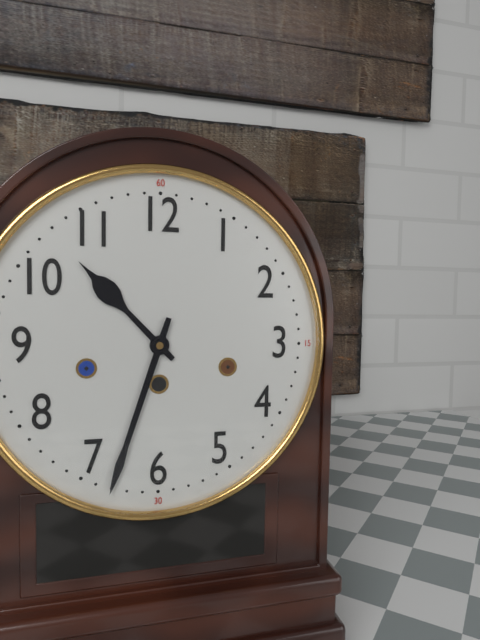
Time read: 10h33
